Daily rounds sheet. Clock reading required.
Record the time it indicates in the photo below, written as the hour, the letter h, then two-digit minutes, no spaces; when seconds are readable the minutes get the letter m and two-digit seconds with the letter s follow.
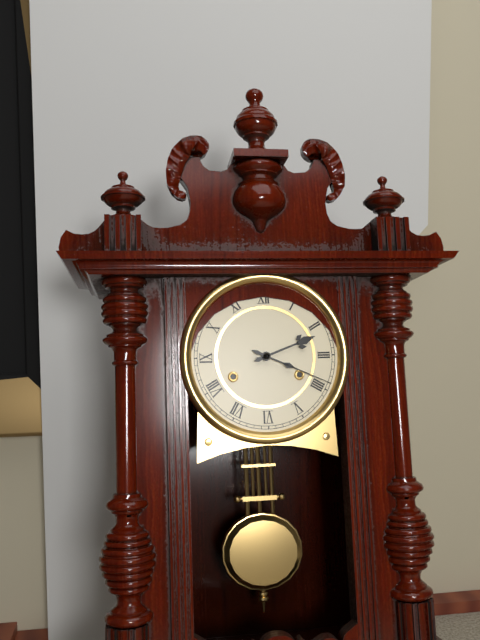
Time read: 2h19
